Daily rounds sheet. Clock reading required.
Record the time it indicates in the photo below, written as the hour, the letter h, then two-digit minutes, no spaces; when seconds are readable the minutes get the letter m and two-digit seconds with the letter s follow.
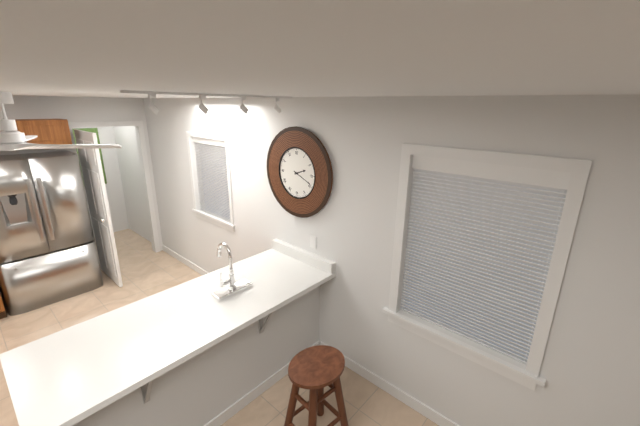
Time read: 2h19
